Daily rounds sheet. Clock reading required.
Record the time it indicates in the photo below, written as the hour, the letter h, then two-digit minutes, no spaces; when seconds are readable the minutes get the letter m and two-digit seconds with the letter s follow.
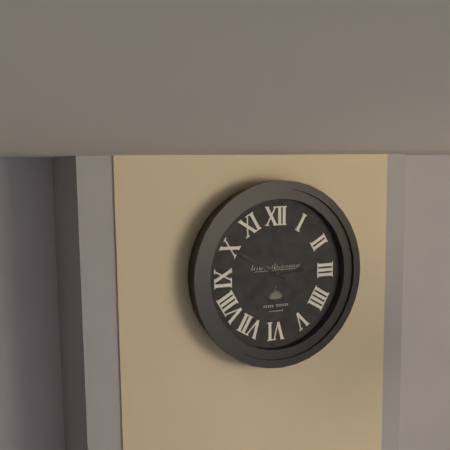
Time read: 2h50
